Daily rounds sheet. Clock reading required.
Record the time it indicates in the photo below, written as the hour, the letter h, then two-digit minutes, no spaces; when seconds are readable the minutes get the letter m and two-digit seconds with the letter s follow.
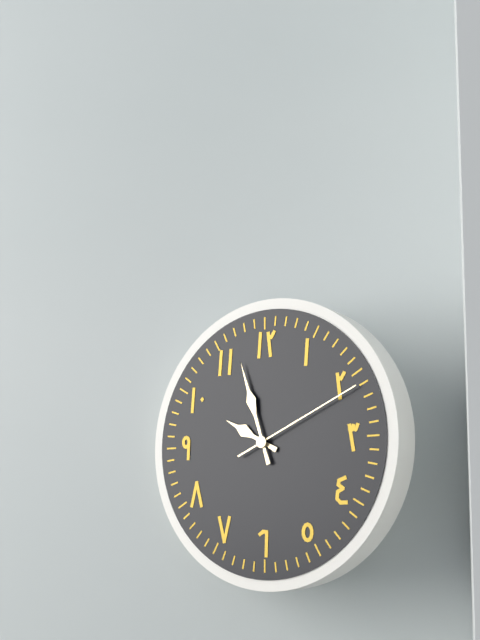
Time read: 9h57m11s
